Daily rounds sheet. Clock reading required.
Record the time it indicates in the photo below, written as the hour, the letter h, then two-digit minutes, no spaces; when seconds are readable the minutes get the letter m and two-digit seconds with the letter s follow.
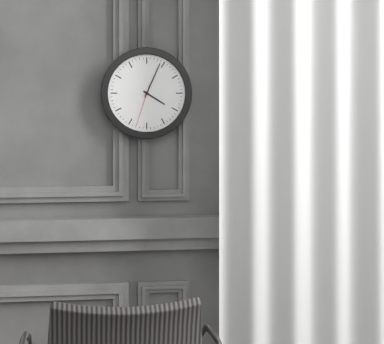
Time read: 4h04
